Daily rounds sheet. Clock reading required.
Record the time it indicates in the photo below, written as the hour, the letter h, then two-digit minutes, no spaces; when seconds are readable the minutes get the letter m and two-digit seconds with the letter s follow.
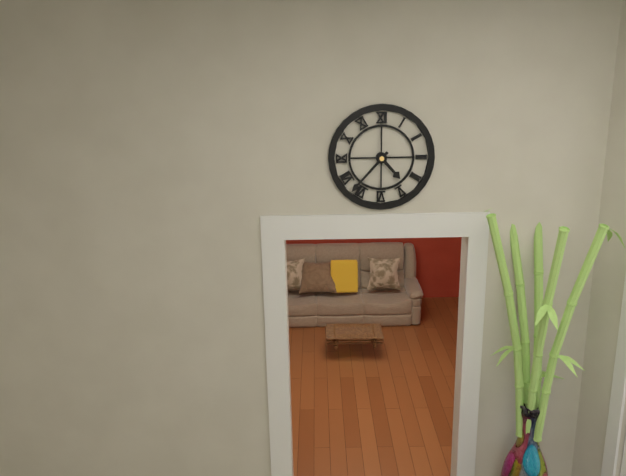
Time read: 4h37
